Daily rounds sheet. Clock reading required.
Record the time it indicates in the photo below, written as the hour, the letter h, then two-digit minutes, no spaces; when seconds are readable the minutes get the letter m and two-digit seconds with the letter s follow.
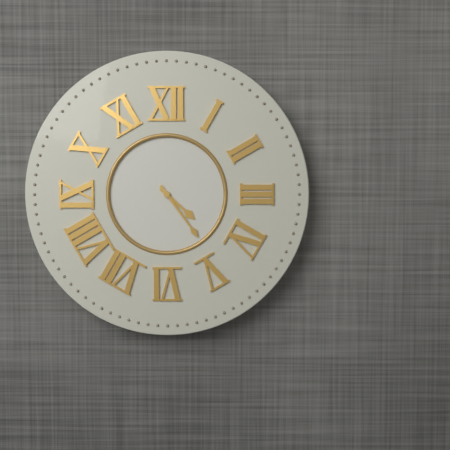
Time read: 4h24
